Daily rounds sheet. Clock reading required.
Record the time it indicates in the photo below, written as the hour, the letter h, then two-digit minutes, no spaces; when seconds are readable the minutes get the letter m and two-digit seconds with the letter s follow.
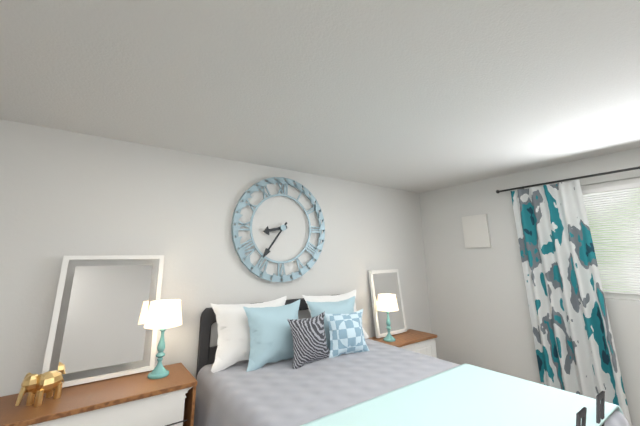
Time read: 8h36
